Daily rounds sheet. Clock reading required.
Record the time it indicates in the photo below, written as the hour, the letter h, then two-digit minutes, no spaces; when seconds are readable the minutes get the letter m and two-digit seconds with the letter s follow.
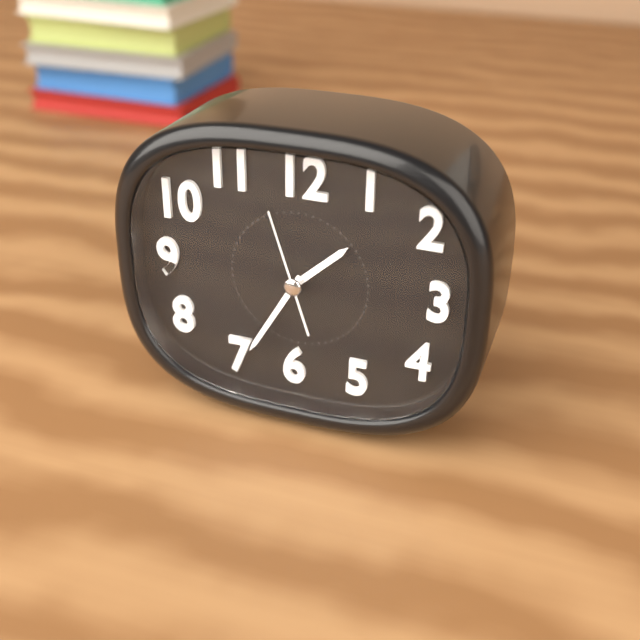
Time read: 1h35m57s
